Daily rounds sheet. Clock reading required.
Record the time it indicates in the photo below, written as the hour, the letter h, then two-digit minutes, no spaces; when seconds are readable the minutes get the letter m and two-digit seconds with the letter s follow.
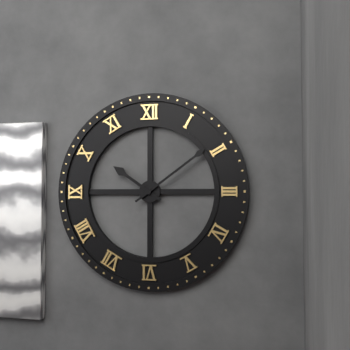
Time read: 10h09
